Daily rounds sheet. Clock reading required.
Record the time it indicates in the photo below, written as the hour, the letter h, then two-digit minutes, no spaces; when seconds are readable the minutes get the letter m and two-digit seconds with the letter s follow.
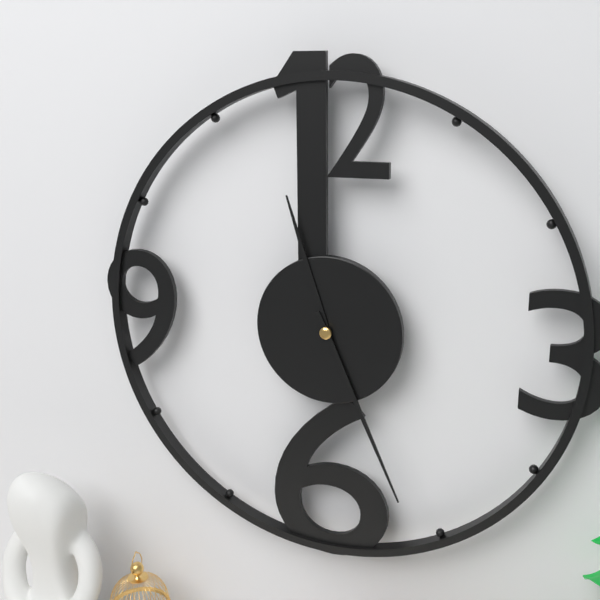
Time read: 11h26
